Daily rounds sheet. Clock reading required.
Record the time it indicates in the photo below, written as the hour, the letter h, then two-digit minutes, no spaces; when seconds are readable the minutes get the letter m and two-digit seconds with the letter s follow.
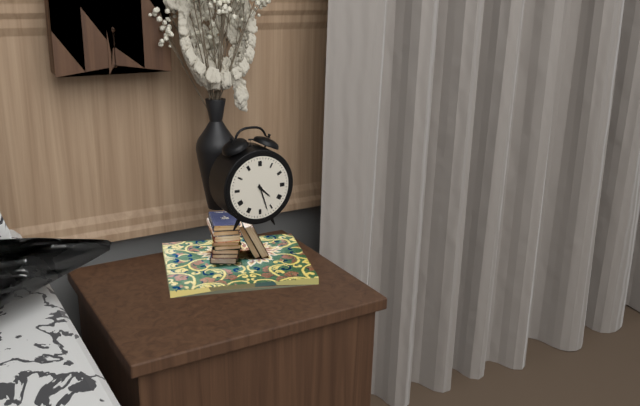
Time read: 4h27
